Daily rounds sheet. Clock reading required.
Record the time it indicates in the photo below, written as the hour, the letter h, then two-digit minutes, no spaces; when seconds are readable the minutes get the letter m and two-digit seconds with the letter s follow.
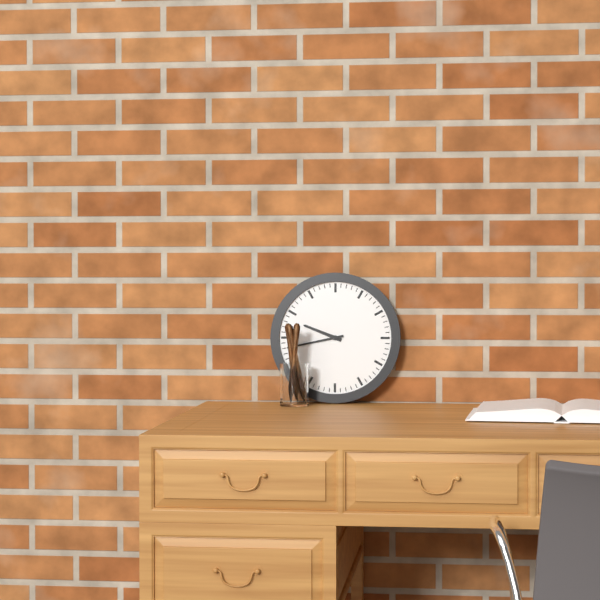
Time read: 9h43
